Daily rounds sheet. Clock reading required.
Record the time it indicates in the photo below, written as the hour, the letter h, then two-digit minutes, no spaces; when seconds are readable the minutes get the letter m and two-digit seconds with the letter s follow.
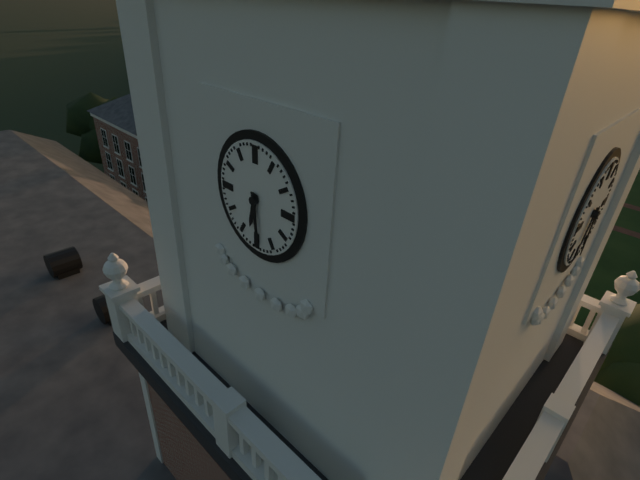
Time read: 6h29
